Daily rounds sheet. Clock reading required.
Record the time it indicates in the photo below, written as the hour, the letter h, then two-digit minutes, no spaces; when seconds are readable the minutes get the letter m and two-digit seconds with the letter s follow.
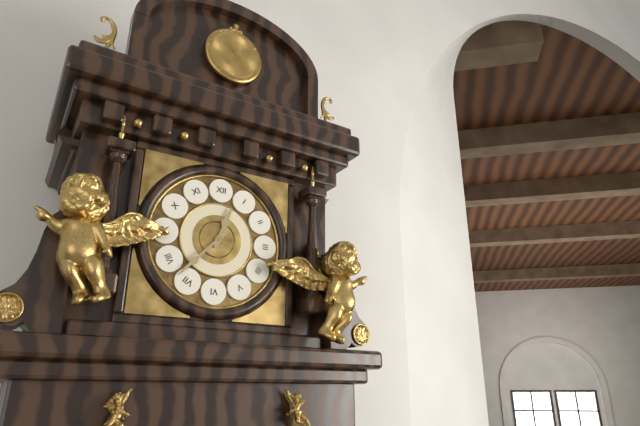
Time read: 12h37
